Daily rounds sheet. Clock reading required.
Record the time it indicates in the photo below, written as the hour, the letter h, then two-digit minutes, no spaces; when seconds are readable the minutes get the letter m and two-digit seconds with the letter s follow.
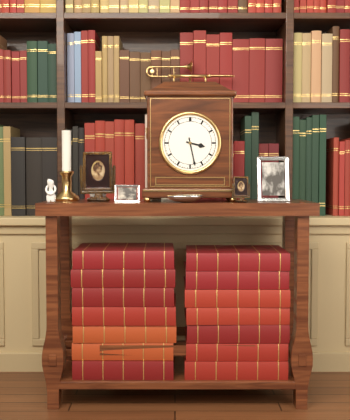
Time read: 3h28
